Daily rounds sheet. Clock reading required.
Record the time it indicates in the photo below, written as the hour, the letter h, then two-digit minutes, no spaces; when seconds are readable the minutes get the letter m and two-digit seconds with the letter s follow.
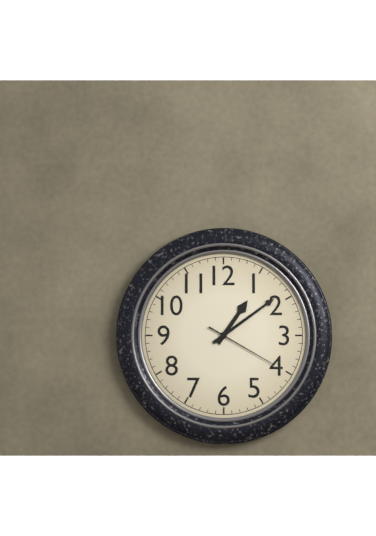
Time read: 1h09m20s
